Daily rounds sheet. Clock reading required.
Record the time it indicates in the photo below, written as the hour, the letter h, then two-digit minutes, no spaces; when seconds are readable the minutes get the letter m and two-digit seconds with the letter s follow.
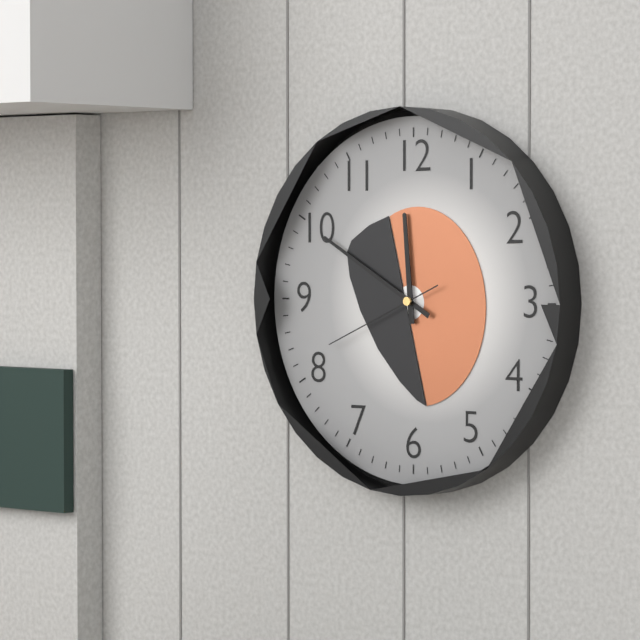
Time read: 11h50m41s
